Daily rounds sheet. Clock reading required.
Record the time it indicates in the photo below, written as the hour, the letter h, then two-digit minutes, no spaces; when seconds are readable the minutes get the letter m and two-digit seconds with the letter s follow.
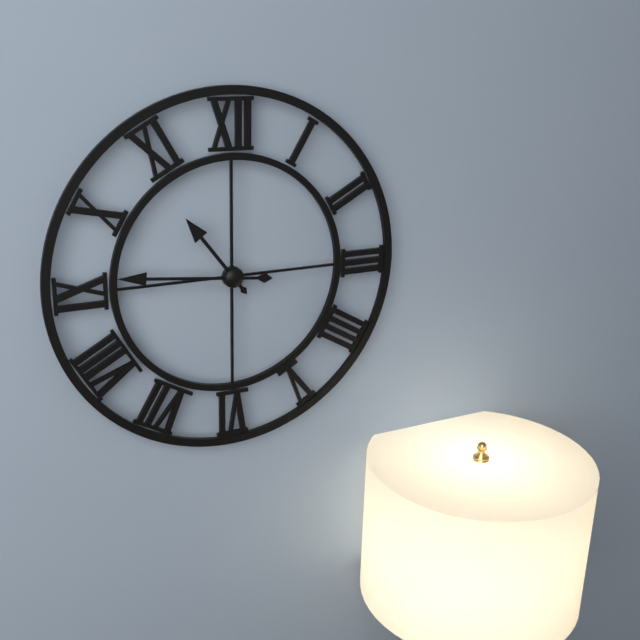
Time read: 10h46
